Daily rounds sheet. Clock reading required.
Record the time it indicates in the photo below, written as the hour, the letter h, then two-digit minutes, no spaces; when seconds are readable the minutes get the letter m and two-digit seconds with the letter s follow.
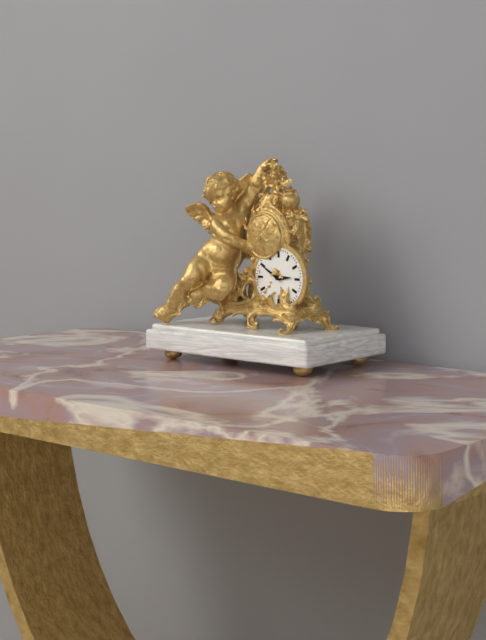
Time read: 2h50
